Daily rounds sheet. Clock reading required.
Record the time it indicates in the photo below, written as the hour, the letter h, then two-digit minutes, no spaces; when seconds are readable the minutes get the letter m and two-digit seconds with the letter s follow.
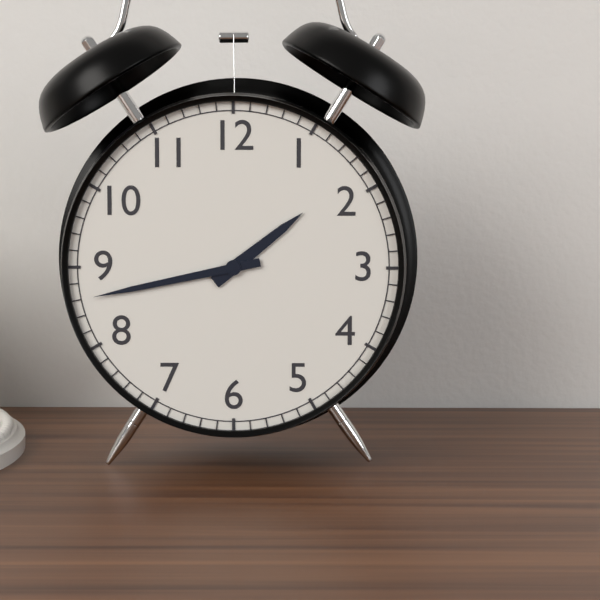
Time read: 1h43
